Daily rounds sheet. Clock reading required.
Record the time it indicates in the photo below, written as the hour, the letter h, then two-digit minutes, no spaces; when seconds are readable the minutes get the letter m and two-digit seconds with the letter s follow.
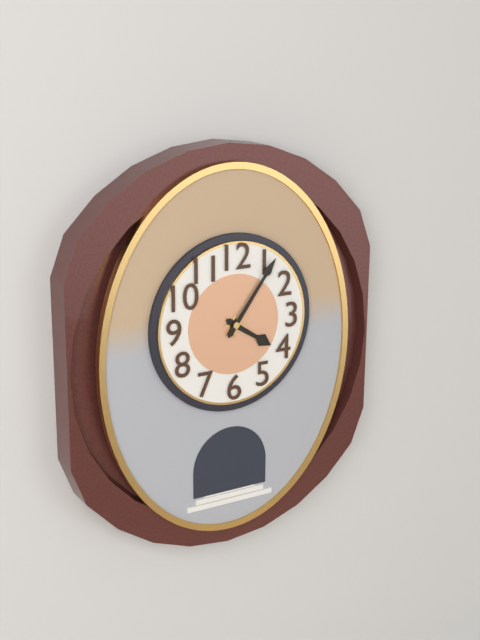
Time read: 4h06
